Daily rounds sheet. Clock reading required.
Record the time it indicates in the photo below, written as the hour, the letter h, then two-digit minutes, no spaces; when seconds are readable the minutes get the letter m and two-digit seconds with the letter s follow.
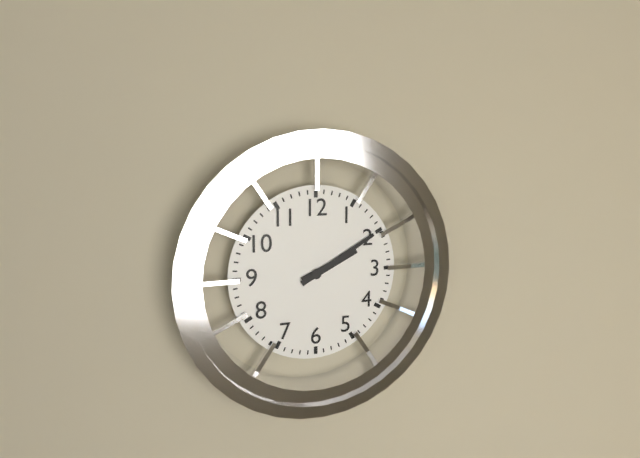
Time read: 2h10
